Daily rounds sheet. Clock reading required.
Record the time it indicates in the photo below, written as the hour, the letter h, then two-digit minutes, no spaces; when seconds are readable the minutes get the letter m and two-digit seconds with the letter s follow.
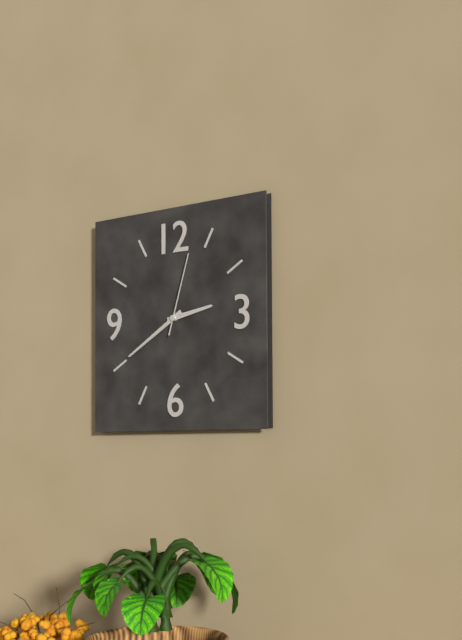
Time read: 2h40m03s
